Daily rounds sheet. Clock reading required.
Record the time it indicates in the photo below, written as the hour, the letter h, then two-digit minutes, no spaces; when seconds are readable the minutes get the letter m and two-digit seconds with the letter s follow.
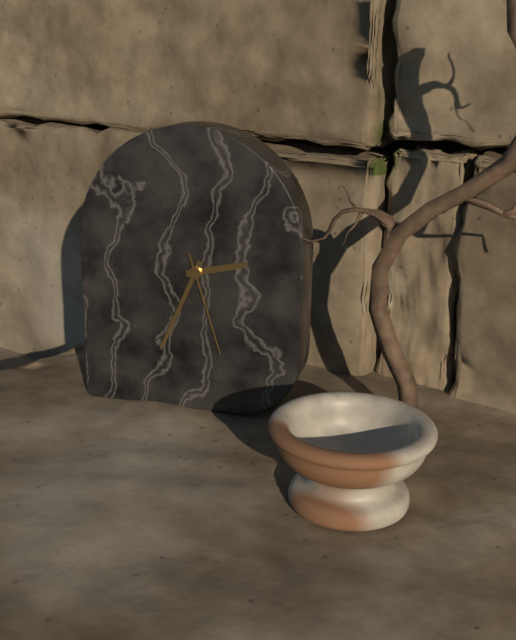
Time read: 2h34m27s
